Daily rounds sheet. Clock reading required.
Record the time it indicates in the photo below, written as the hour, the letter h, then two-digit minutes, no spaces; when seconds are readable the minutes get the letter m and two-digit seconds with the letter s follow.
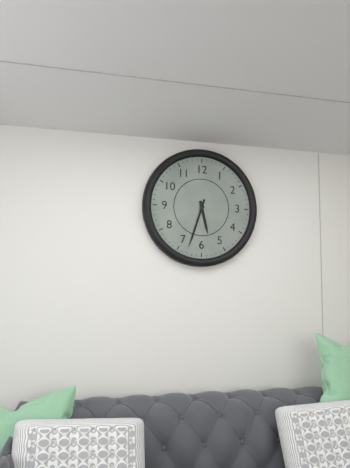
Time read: 5h33
